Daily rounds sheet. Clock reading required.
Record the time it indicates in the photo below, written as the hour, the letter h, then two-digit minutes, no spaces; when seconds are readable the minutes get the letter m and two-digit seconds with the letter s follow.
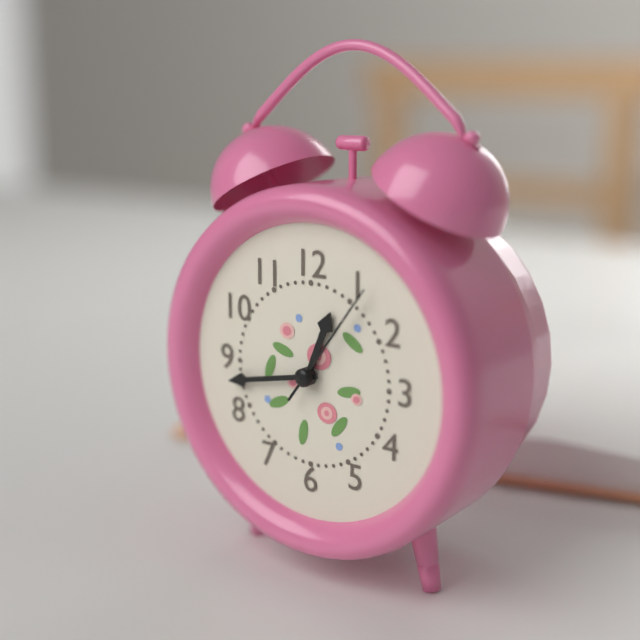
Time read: 12h43m06s
